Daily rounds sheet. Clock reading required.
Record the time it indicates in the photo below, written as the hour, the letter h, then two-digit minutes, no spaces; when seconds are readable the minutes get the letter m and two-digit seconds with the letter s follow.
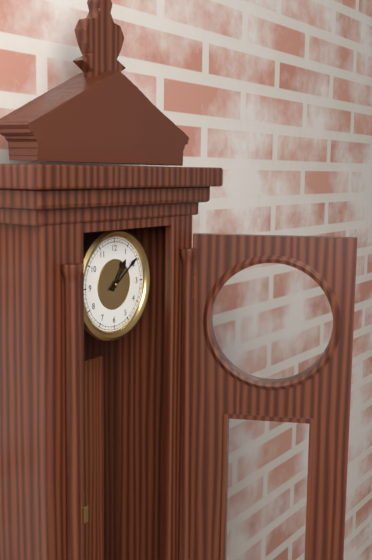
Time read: 1h09
